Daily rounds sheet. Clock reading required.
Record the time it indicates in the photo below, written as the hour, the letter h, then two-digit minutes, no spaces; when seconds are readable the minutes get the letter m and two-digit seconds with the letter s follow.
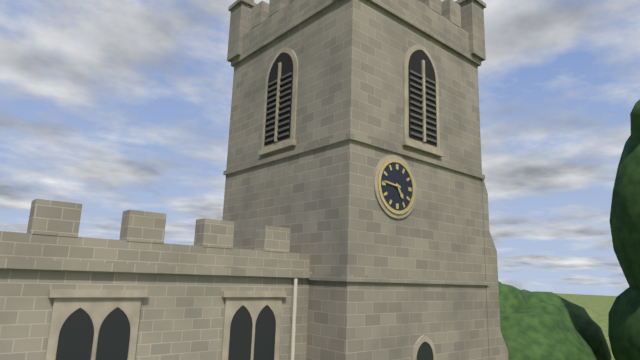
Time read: 4h46
